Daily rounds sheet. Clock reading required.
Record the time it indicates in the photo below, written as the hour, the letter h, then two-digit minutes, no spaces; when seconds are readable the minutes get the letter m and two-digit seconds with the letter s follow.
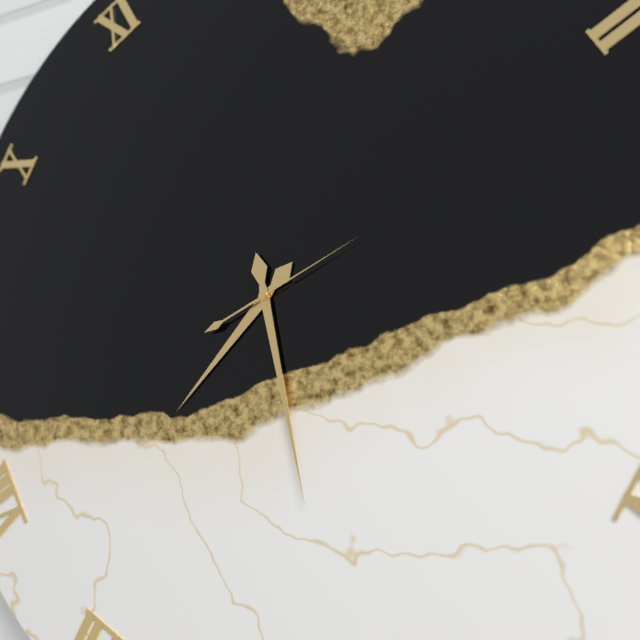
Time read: 7h28m11s
